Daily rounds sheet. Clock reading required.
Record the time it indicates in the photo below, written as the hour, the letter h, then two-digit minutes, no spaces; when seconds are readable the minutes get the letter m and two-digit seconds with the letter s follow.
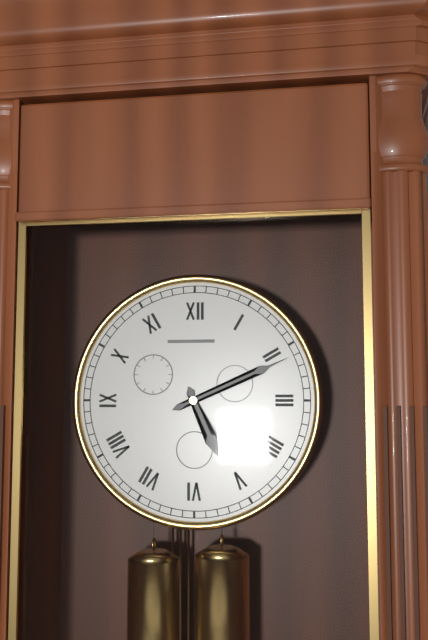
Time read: 5h11
